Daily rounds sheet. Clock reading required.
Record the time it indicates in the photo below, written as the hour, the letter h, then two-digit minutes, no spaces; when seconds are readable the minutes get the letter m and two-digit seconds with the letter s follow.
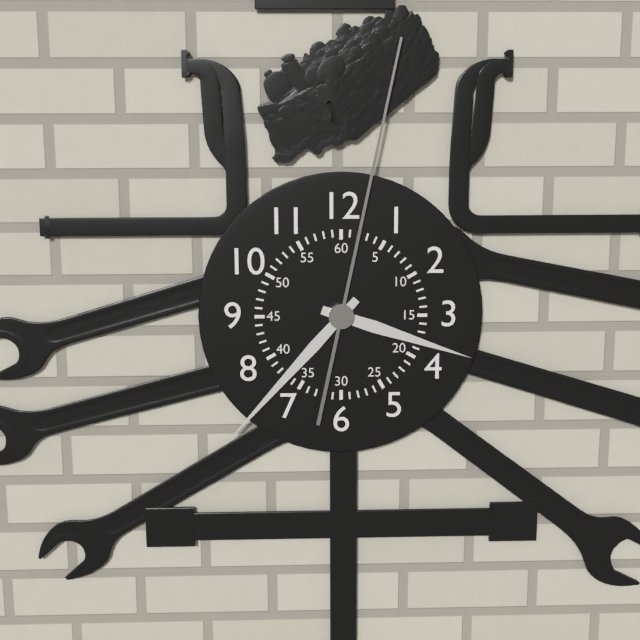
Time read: 3h37m02s
